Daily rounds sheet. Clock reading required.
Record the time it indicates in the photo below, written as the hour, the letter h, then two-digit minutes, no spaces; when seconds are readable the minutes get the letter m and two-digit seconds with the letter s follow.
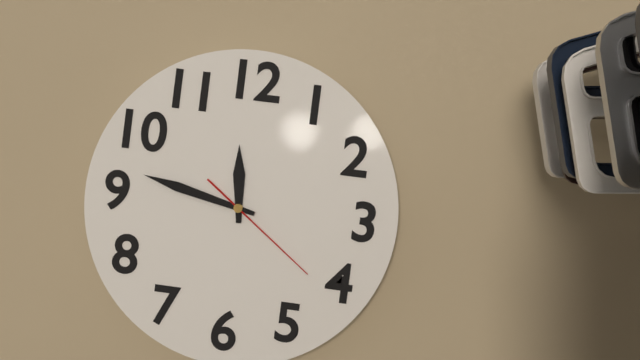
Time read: 11h47m21s
